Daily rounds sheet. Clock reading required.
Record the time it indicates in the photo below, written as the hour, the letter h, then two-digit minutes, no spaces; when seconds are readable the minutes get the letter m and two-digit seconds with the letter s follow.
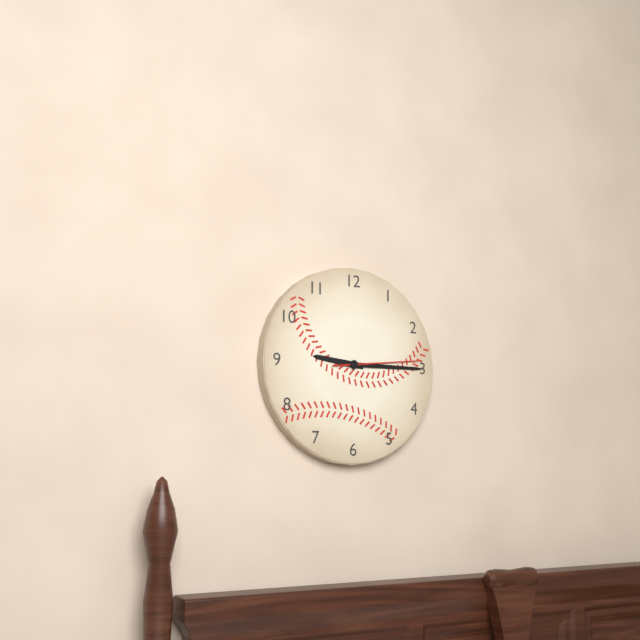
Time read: 9h15m14s
